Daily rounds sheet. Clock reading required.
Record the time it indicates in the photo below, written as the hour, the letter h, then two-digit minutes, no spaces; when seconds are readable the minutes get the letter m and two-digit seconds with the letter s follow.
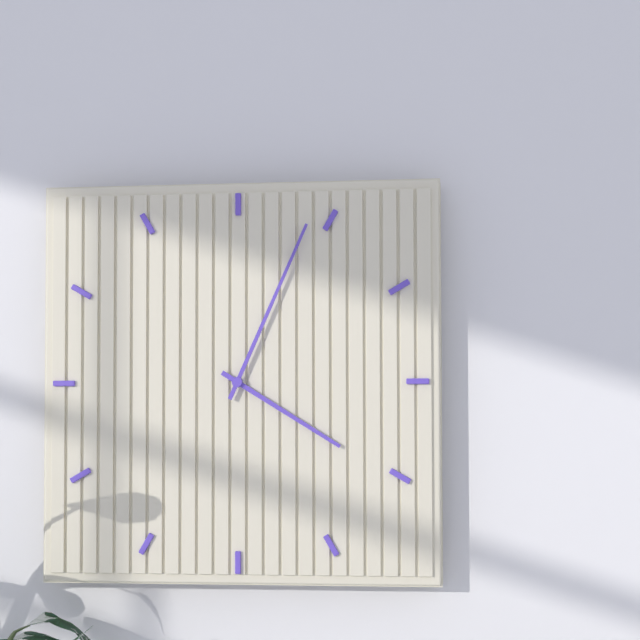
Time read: 4h04
